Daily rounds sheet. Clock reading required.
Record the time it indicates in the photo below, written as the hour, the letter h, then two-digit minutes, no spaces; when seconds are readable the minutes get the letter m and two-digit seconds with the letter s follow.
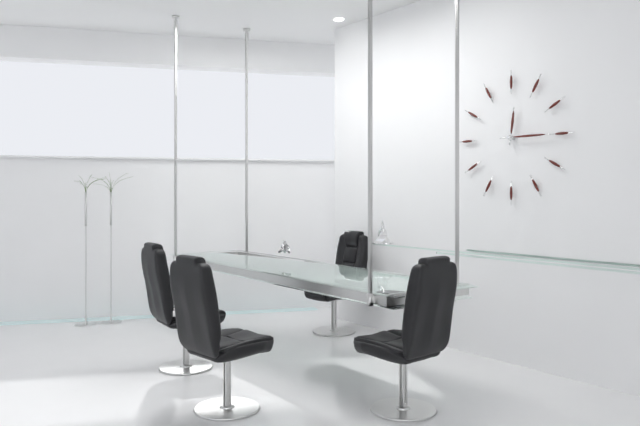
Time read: 12h15
